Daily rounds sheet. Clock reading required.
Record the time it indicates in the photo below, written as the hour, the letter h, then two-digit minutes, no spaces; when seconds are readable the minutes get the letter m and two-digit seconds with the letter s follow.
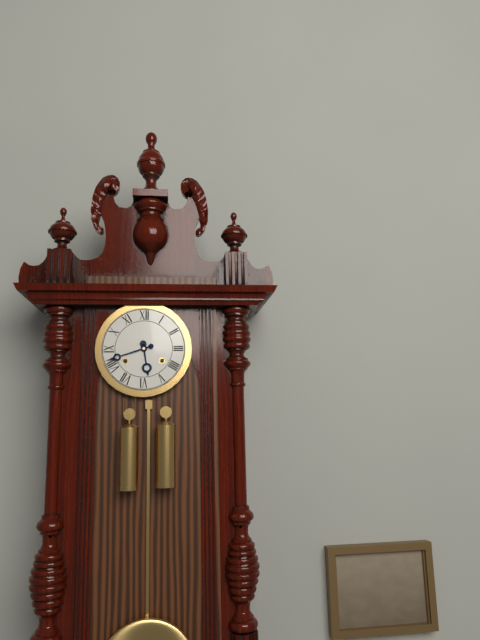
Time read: 5h42
